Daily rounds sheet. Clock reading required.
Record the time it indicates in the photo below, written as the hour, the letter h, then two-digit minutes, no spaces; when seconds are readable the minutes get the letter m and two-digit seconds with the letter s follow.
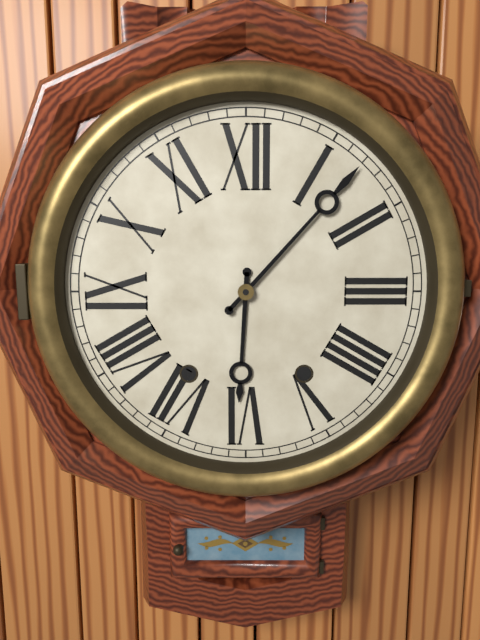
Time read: 6h07
